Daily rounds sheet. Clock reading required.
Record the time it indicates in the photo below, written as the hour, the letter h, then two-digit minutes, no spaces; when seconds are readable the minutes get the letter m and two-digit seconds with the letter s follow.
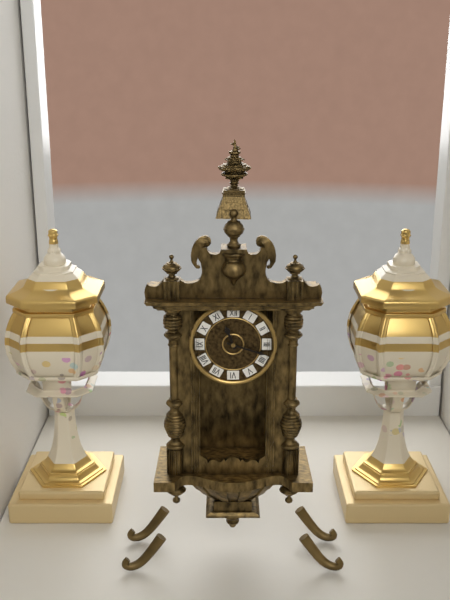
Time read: 11h18
